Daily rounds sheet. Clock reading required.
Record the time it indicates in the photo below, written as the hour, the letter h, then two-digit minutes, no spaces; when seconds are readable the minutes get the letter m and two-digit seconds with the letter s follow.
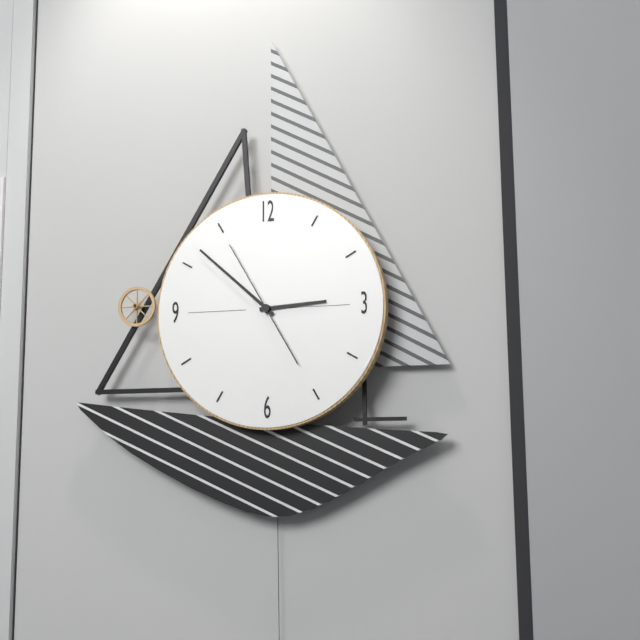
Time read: 2h52m55s
